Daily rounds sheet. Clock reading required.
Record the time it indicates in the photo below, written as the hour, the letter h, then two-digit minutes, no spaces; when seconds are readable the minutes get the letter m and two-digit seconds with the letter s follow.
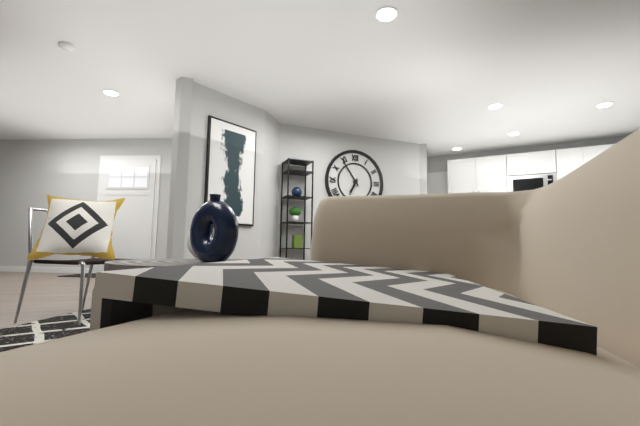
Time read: 6h54
